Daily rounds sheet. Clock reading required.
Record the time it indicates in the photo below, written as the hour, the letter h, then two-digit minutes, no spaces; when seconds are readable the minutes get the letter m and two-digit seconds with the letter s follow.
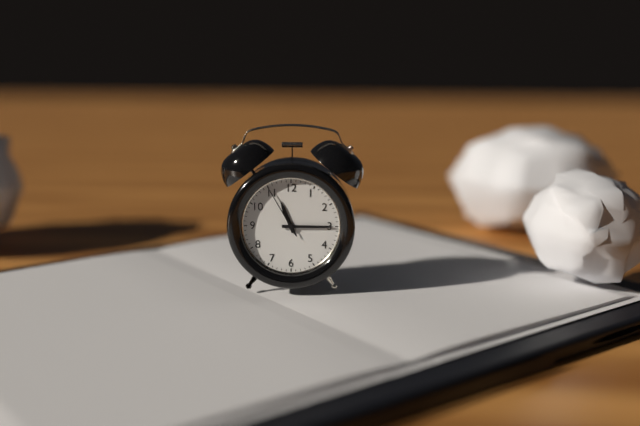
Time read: 11h15m55s
